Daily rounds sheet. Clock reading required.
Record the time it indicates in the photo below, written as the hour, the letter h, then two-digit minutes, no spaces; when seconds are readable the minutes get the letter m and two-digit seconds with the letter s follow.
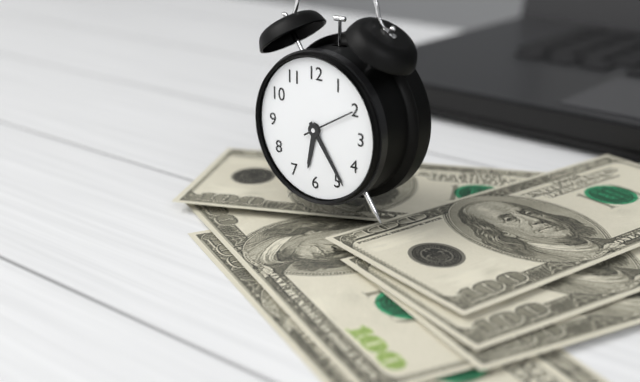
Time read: 6h24m10s
